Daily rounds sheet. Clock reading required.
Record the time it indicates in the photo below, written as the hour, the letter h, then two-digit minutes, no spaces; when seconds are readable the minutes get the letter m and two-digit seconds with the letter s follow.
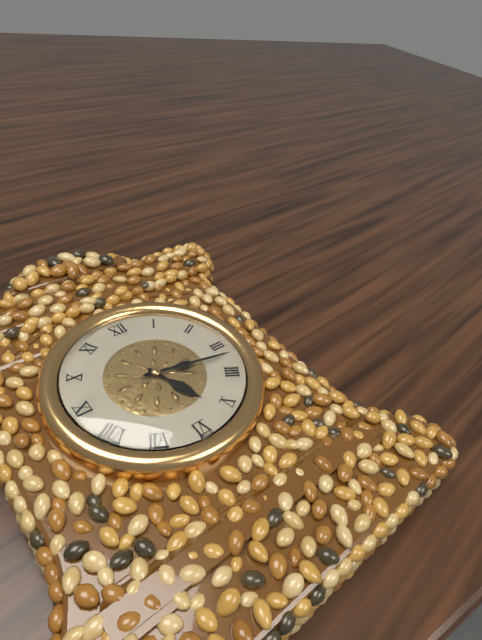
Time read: 5h17
